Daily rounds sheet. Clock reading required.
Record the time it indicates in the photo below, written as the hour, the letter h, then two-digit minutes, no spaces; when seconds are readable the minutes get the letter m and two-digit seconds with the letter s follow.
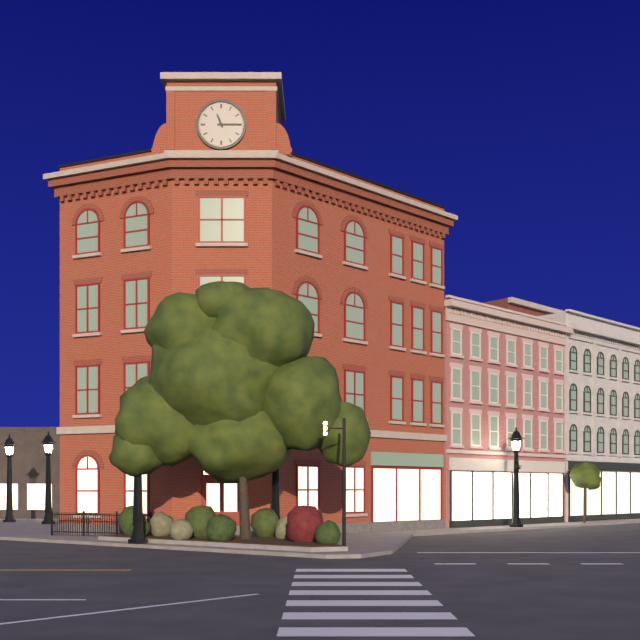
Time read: 11h15
